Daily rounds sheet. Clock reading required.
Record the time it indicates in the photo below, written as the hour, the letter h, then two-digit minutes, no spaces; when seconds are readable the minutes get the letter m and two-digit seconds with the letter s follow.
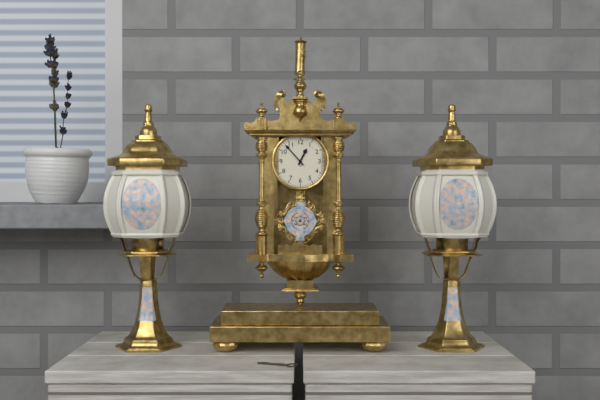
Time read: 12h53
